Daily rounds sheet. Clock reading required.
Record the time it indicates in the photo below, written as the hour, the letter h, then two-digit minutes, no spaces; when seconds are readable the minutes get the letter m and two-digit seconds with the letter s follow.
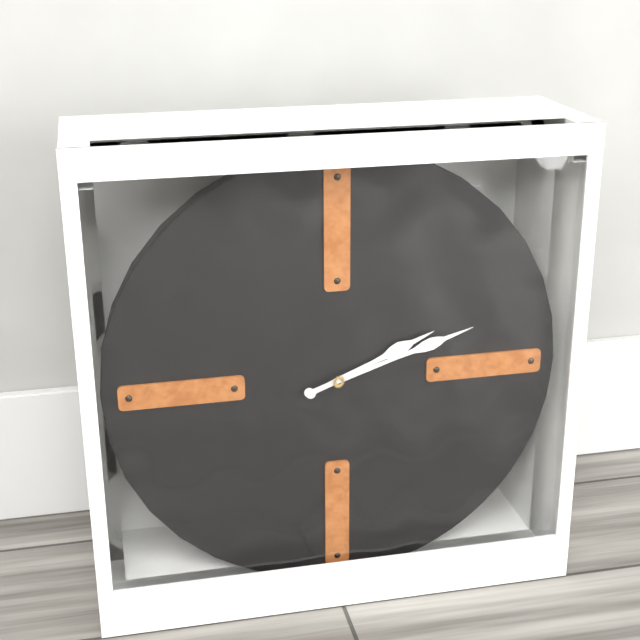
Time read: 2h12
